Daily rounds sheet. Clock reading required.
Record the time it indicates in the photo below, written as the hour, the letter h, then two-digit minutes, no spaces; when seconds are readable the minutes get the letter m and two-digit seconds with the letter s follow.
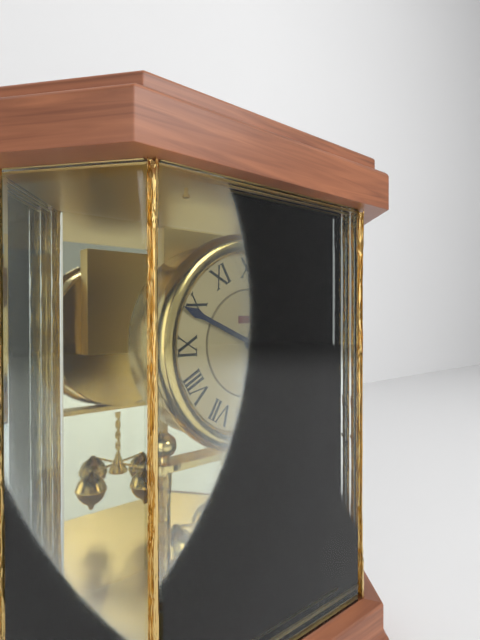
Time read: 5h49
